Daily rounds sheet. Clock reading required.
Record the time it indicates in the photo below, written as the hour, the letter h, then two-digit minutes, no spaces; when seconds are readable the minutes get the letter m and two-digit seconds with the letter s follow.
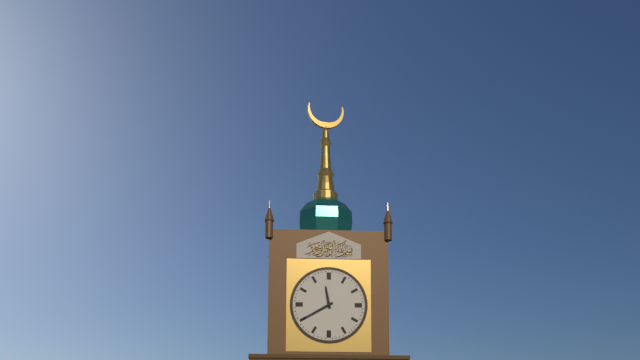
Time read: 11h40
